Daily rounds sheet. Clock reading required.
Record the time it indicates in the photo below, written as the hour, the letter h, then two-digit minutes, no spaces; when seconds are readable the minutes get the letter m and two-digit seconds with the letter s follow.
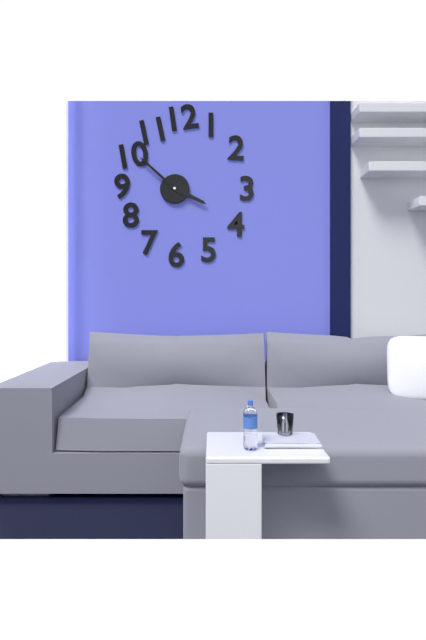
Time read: 3h52
